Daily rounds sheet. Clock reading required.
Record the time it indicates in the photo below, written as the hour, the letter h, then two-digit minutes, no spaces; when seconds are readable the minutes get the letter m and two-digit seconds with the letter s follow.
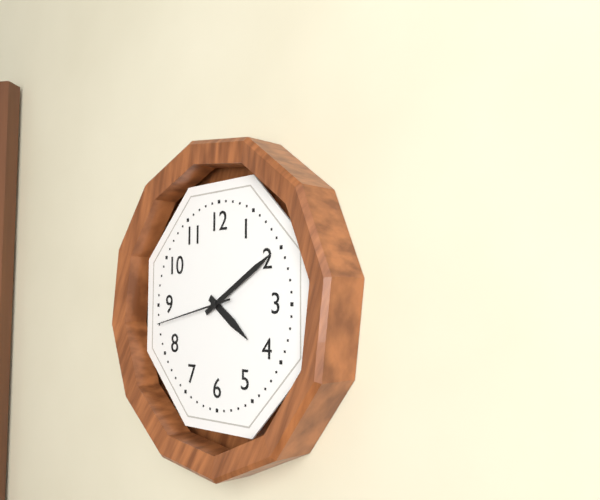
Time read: 4h10m43s
